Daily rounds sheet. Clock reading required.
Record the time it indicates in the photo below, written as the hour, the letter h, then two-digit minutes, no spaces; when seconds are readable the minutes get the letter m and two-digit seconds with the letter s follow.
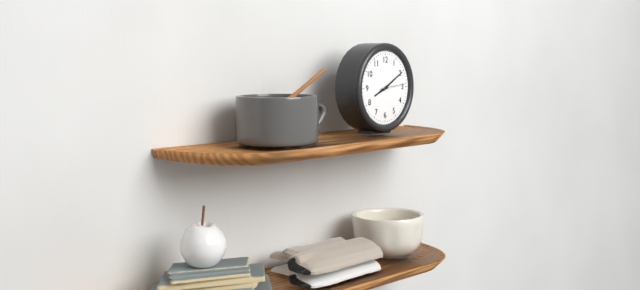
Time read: 8h10
